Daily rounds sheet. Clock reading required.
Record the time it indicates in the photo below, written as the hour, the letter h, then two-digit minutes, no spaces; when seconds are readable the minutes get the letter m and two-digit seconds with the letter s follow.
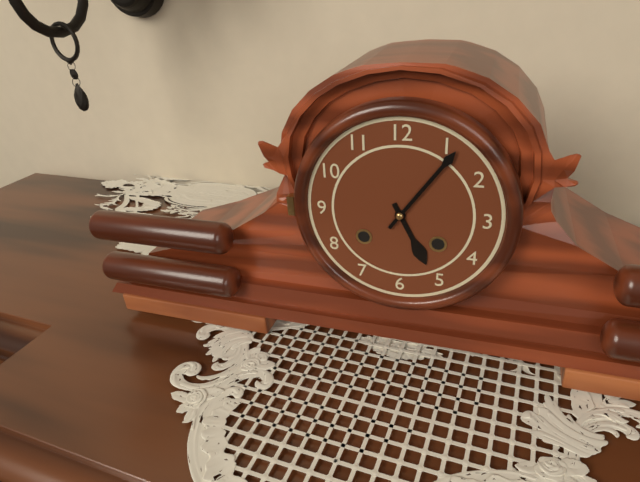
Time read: 5h06
